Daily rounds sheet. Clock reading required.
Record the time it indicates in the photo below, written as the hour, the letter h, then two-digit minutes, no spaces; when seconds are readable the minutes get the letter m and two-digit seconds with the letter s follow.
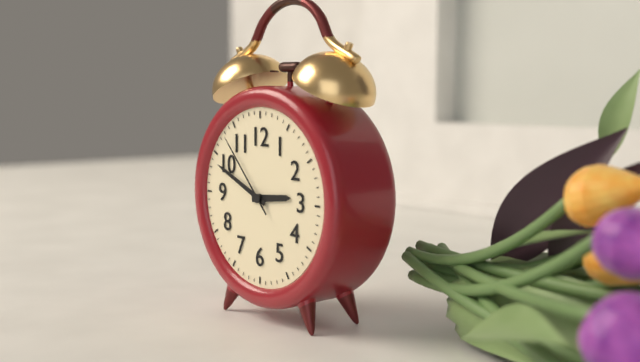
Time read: 2h49m53s
